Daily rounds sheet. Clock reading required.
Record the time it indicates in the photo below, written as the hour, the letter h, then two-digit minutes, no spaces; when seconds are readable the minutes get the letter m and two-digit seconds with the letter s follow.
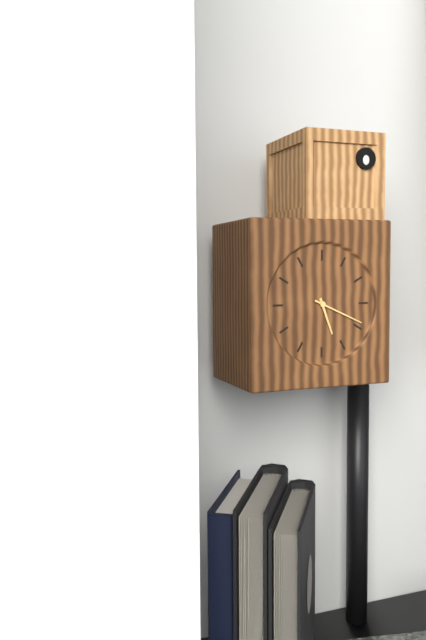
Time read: 5h19
